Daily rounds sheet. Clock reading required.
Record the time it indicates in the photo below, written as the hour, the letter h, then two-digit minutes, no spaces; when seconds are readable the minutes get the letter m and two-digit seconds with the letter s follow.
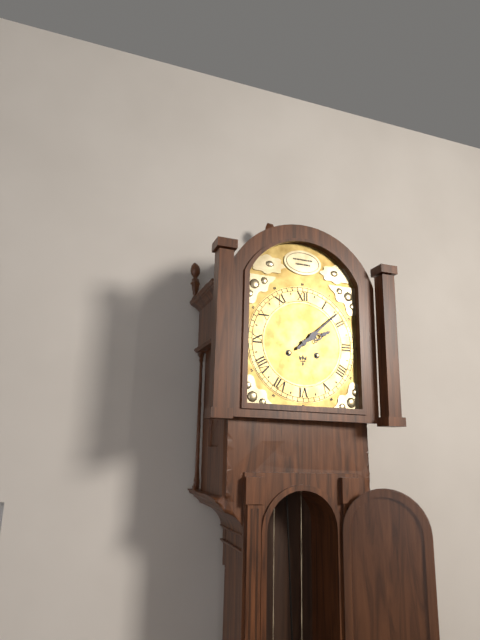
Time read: 2h08
